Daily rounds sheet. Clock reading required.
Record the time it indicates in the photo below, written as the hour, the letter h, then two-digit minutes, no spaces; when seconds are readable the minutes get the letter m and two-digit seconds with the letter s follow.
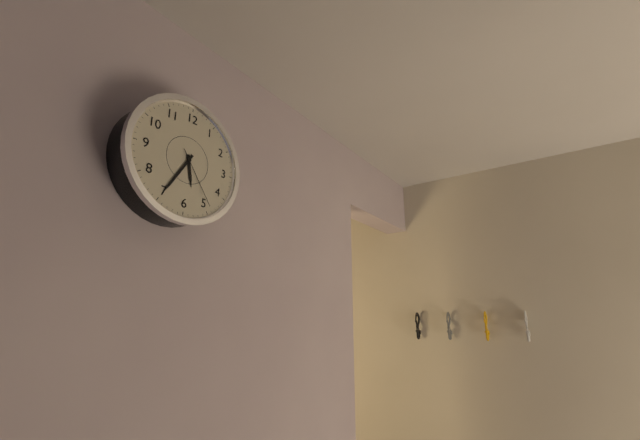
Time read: 5h35m24s
